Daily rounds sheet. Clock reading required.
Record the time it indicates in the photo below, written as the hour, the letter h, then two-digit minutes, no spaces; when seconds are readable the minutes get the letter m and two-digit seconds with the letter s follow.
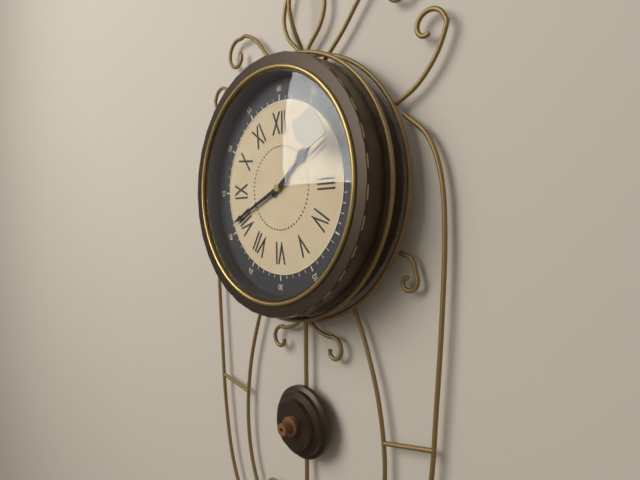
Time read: 1h41
